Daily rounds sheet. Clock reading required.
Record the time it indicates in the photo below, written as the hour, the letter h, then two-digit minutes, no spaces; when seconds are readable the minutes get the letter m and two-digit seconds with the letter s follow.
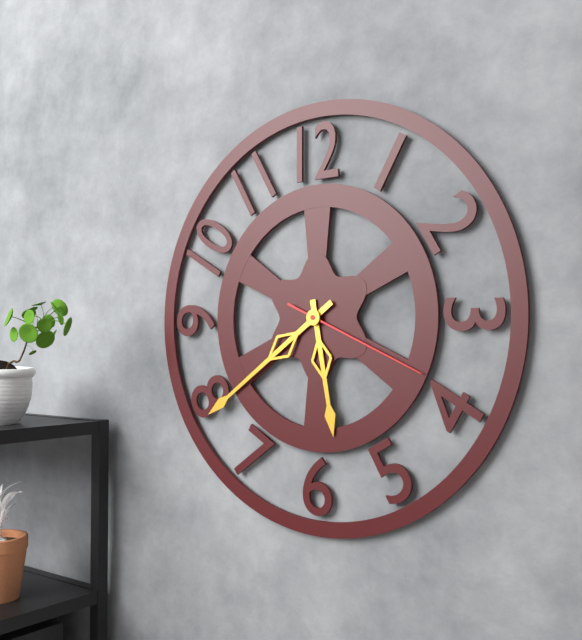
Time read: 5h39m19s
